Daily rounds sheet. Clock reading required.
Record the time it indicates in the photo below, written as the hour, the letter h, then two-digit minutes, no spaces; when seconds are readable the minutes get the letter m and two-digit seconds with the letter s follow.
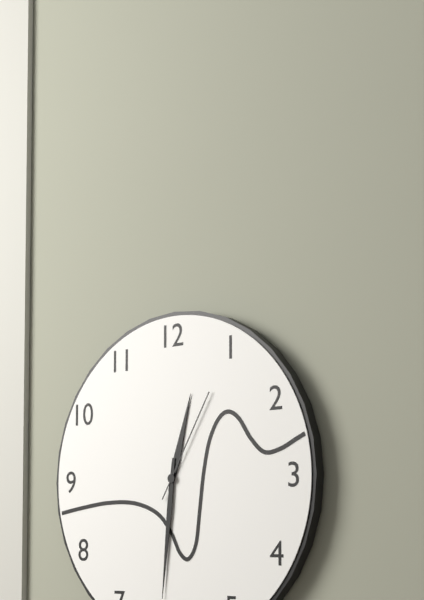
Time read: 12h31m05s
